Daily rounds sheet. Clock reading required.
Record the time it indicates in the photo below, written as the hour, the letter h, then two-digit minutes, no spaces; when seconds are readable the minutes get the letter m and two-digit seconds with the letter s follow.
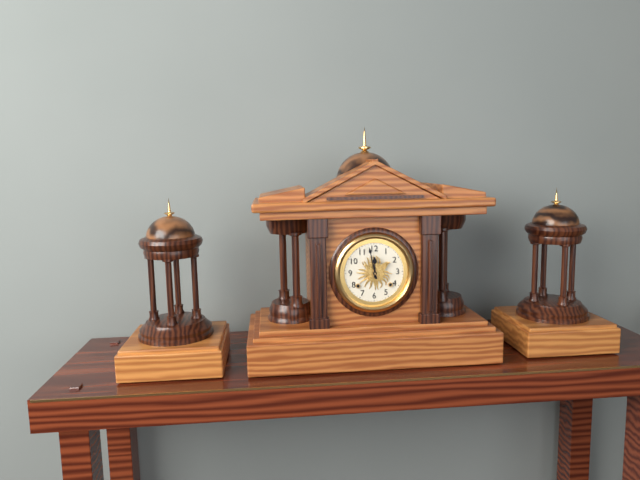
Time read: 11h58
